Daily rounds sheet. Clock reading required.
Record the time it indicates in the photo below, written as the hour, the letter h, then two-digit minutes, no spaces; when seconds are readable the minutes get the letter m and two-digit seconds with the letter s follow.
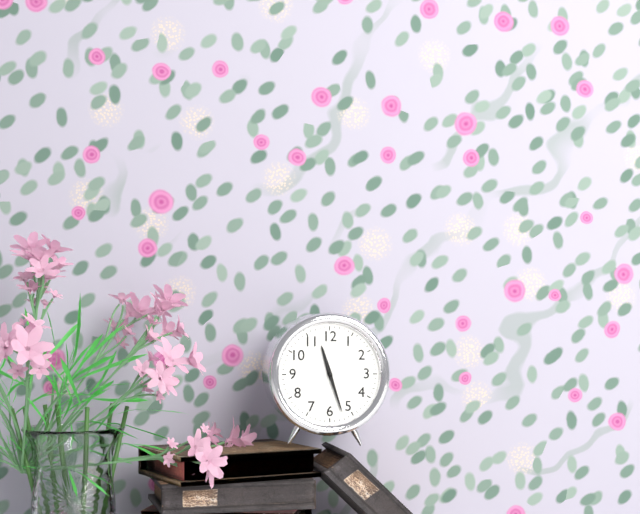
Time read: 11h27
